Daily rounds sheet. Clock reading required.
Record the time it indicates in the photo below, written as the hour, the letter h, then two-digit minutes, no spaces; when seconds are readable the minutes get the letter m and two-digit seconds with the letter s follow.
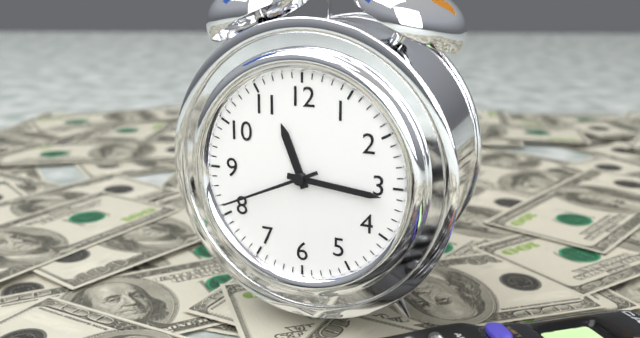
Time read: 11h16m41s
